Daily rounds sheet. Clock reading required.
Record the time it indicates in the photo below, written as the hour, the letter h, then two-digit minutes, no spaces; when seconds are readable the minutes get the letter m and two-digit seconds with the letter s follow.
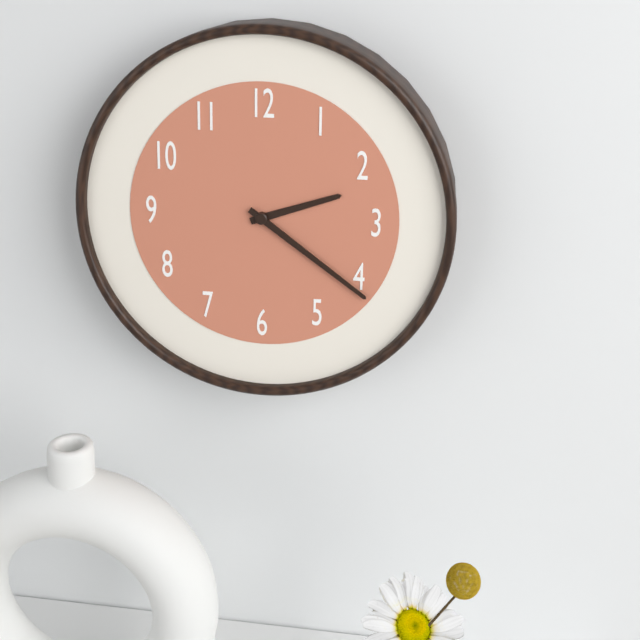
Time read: 2h21
